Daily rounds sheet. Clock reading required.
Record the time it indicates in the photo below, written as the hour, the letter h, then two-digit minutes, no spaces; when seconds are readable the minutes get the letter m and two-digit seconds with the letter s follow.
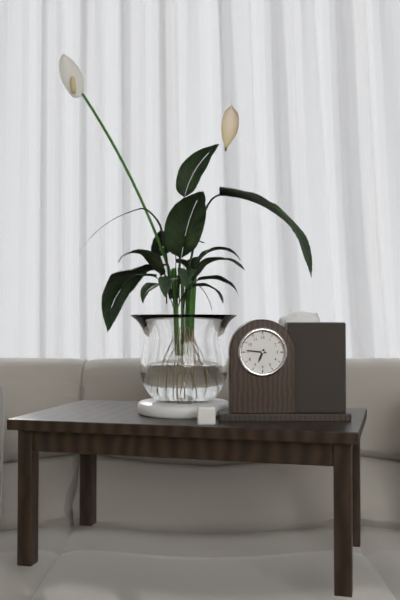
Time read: 6h46
